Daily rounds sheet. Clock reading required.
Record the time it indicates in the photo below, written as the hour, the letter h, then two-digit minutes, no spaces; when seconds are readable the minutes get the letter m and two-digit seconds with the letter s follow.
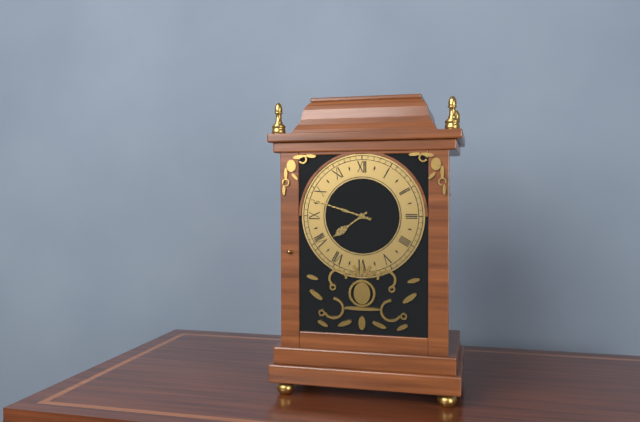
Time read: 7h48
